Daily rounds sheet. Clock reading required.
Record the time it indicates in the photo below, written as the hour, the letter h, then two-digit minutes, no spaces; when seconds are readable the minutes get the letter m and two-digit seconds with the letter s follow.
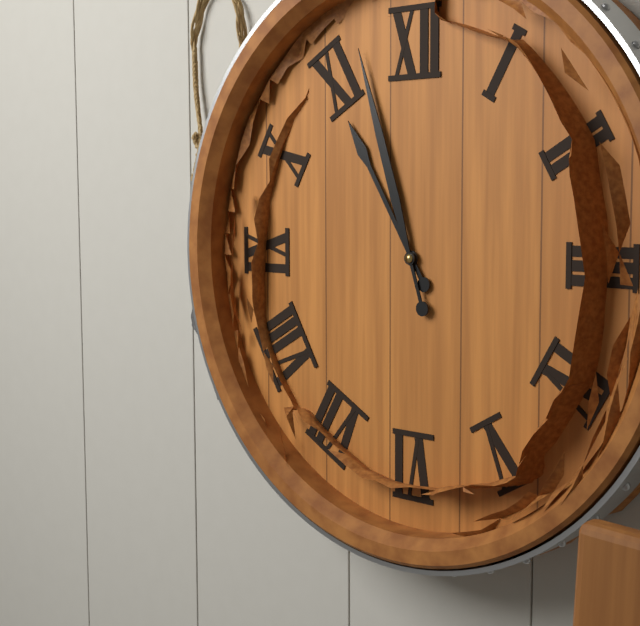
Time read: 10h57
